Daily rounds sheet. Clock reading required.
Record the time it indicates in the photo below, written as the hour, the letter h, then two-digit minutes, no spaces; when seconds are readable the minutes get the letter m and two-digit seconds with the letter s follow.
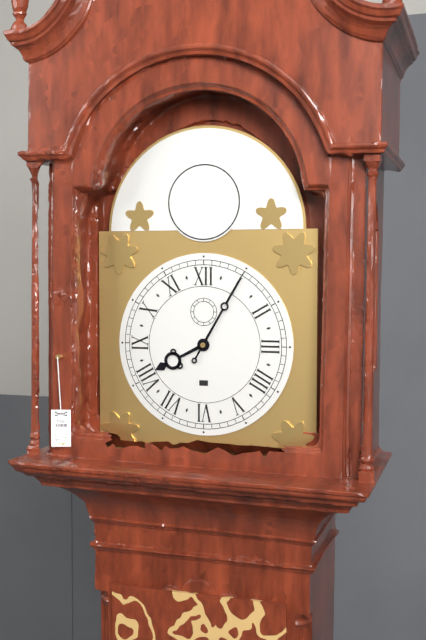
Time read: 8h05
